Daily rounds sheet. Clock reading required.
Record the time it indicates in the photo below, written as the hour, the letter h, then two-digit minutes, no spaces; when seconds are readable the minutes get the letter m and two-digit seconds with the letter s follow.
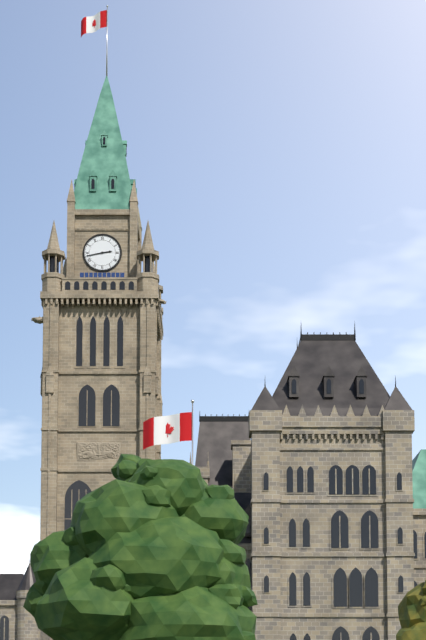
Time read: 2h43
